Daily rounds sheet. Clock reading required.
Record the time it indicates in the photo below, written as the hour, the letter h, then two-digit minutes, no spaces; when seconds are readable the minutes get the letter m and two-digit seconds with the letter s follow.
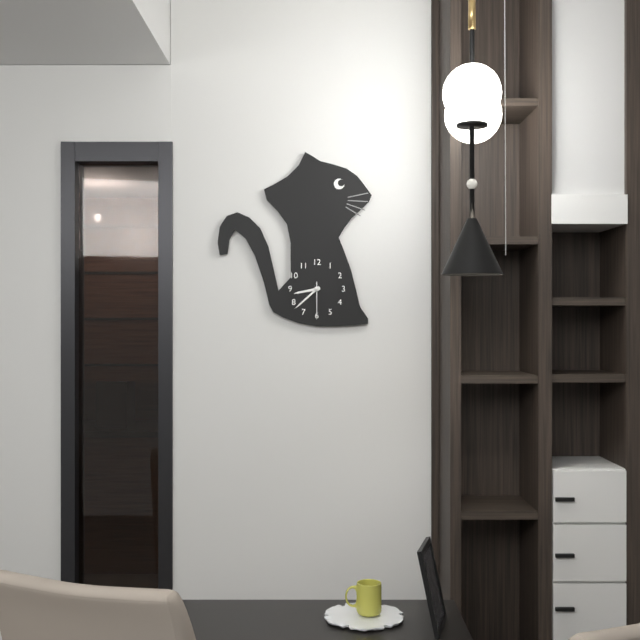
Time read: 8h38
